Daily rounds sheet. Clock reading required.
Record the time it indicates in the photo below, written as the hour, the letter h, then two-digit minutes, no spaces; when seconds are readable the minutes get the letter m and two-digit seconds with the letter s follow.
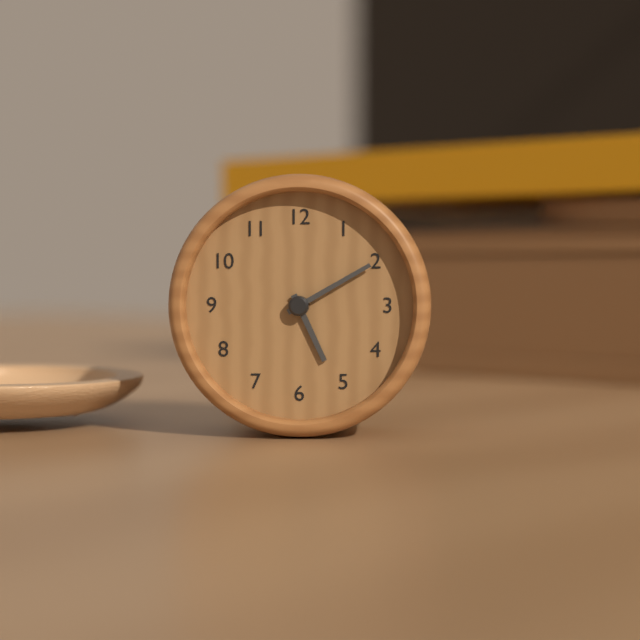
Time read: 5h10
